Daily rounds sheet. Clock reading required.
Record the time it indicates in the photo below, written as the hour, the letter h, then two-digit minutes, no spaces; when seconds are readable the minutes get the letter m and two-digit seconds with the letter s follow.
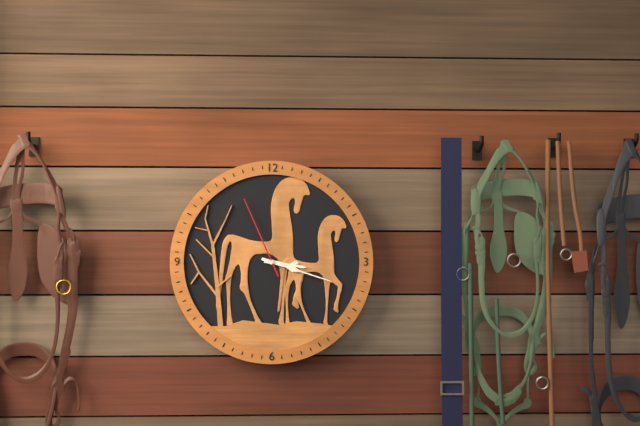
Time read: 3h18m56s
